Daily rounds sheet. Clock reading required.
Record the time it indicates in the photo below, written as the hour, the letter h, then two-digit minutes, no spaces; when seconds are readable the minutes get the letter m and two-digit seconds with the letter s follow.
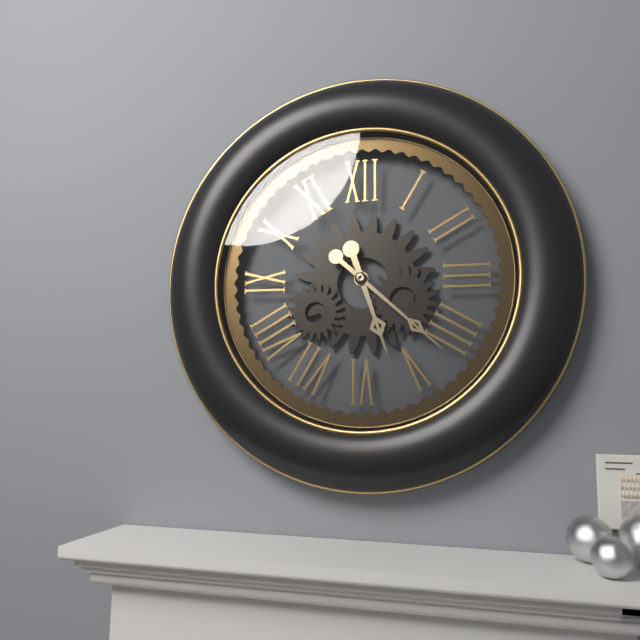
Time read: 5h22
